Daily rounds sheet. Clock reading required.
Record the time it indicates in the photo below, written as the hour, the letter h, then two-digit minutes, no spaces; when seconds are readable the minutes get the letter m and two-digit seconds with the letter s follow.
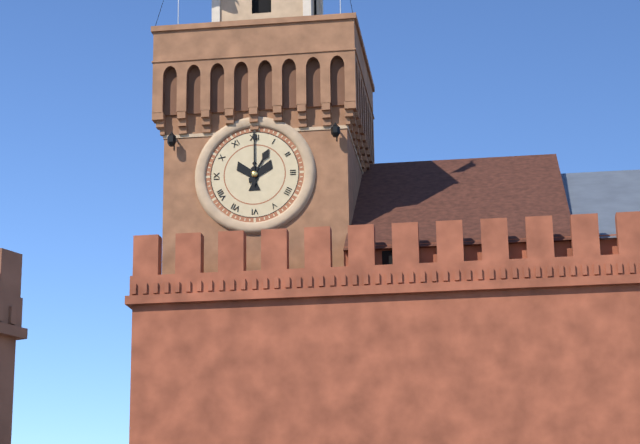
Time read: 1h00
